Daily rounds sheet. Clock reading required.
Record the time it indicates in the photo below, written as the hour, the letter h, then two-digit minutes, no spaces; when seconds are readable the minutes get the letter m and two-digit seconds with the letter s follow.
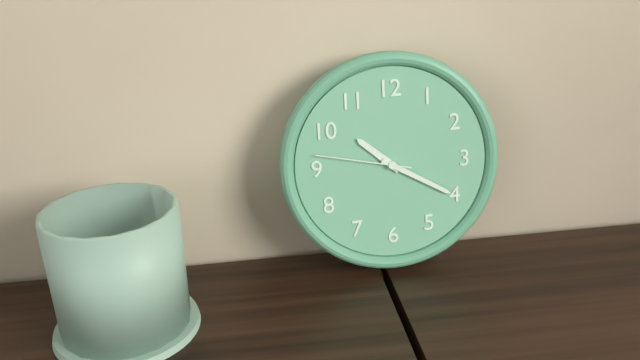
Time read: 10h20m47s
